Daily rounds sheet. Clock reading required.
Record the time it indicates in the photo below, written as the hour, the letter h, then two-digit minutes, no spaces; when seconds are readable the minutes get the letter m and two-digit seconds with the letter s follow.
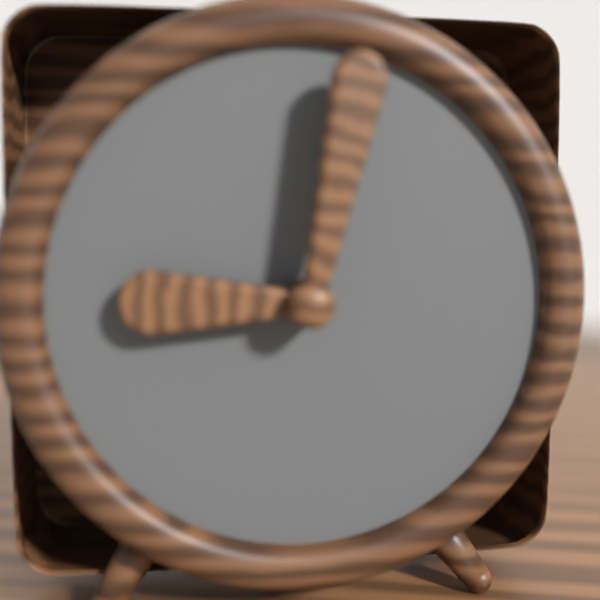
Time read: 9h02
